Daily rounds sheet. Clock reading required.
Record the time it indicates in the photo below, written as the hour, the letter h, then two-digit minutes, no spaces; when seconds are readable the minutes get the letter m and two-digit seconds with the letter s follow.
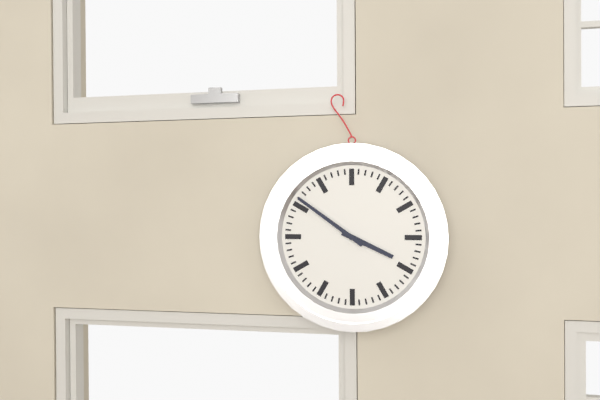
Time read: 3h51
